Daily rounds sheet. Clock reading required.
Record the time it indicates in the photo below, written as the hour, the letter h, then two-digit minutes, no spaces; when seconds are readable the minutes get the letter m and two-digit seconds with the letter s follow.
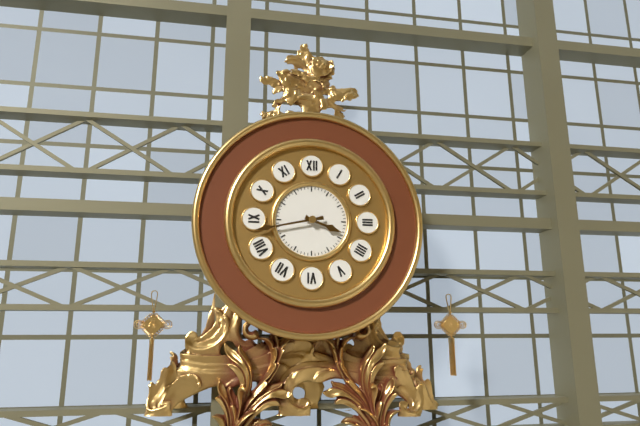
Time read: 3h43
